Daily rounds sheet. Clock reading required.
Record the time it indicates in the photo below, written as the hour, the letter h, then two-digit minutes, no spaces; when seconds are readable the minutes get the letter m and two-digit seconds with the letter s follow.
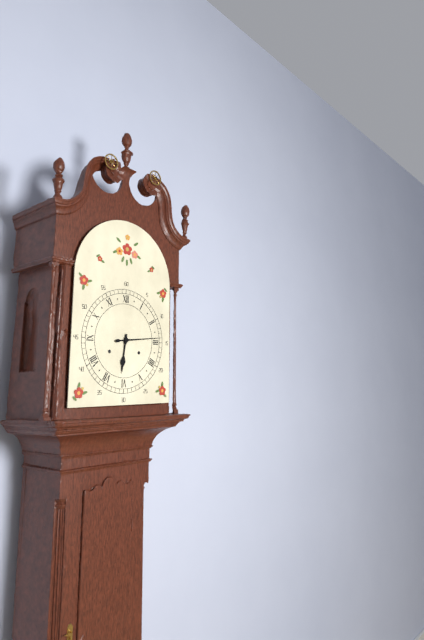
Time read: 6h14
